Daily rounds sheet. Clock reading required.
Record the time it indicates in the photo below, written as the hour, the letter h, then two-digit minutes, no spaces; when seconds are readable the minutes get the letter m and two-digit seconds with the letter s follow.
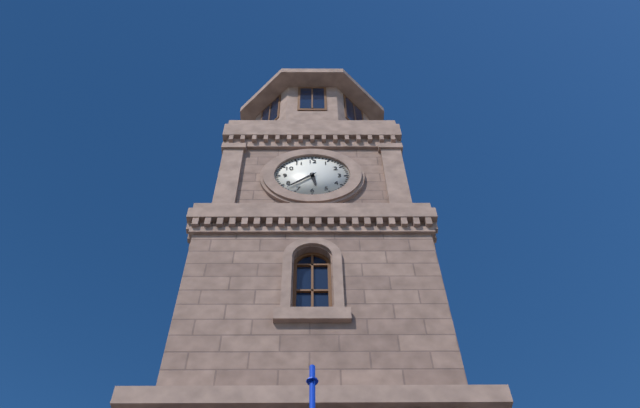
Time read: 5h38
